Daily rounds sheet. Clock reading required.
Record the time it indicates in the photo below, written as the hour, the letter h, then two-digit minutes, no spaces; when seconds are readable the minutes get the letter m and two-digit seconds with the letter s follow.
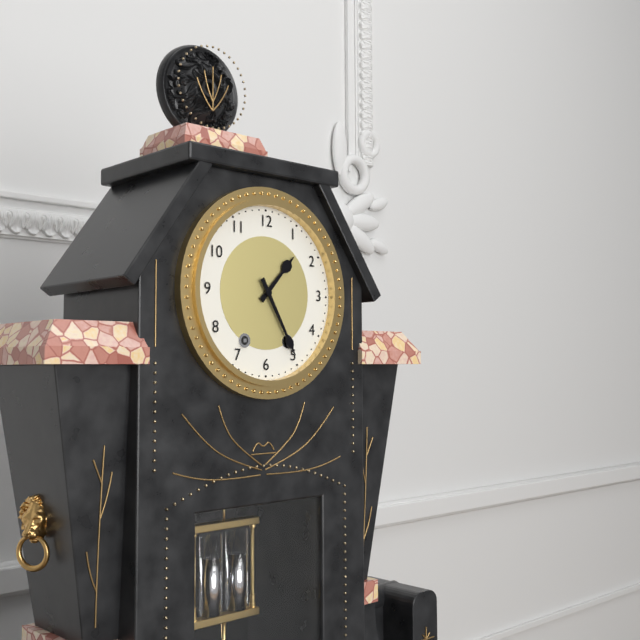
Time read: 1h25
